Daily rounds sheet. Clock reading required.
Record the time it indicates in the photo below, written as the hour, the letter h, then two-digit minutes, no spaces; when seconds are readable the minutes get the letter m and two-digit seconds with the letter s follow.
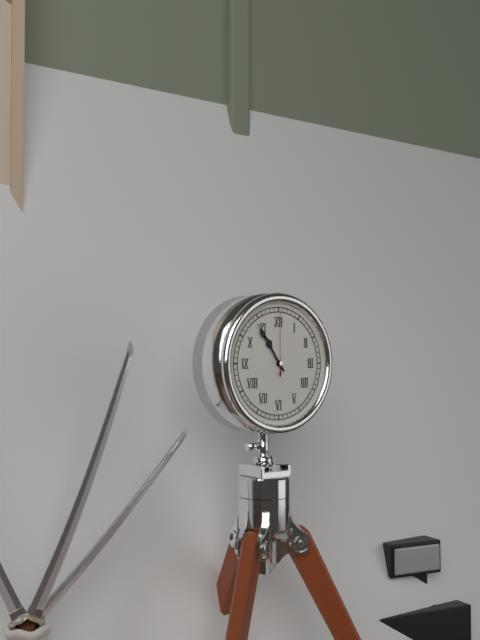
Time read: 10h54m00s
